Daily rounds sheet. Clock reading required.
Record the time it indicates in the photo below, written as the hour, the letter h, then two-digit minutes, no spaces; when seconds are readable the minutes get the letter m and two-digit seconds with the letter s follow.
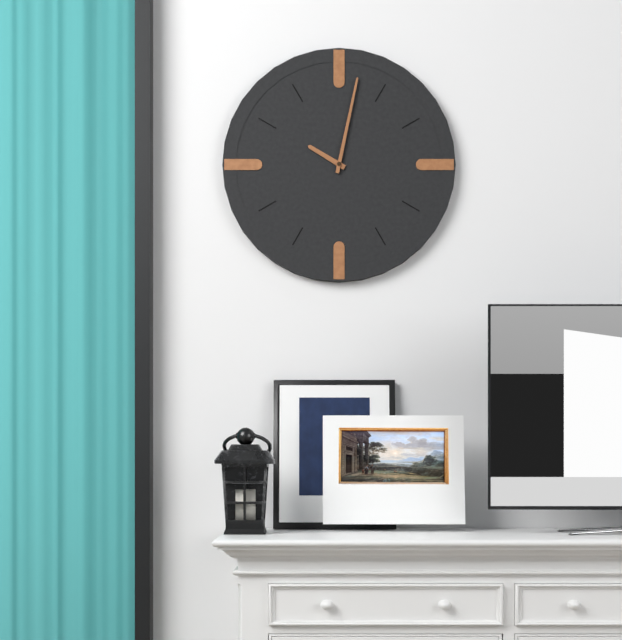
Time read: 10h02
